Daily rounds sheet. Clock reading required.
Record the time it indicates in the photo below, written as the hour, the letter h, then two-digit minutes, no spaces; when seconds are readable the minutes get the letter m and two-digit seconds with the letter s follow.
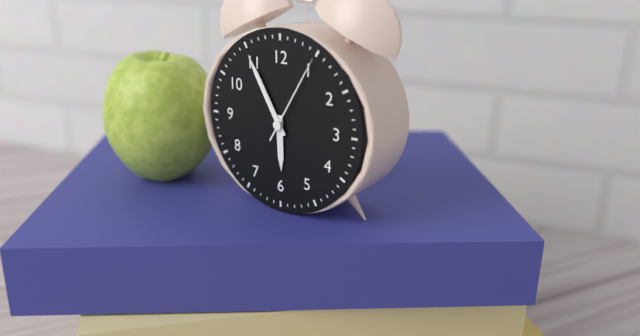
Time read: 5h55m05s
